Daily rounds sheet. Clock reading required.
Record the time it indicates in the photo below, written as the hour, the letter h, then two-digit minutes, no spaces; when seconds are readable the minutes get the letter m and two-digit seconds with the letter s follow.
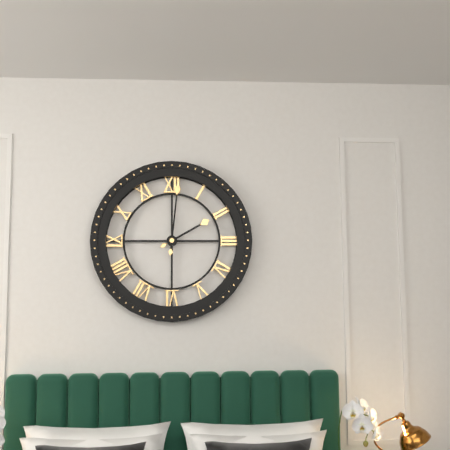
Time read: 2h01
